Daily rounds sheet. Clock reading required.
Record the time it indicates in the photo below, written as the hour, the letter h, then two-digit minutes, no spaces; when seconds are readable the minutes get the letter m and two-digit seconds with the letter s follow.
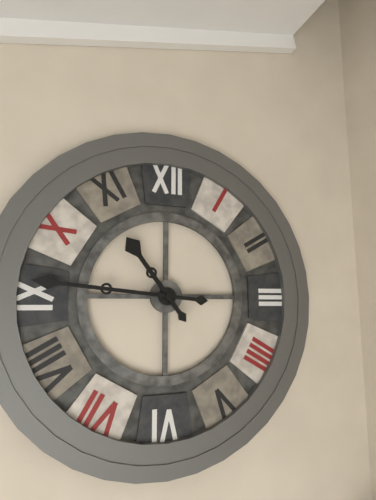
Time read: 10h46
